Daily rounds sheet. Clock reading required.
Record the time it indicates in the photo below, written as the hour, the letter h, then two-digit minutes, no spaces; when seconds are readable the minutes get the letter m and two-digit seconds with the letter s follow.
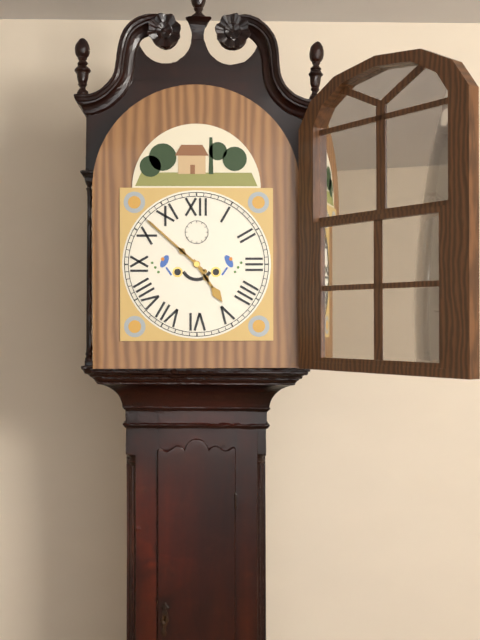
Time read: 4h52
